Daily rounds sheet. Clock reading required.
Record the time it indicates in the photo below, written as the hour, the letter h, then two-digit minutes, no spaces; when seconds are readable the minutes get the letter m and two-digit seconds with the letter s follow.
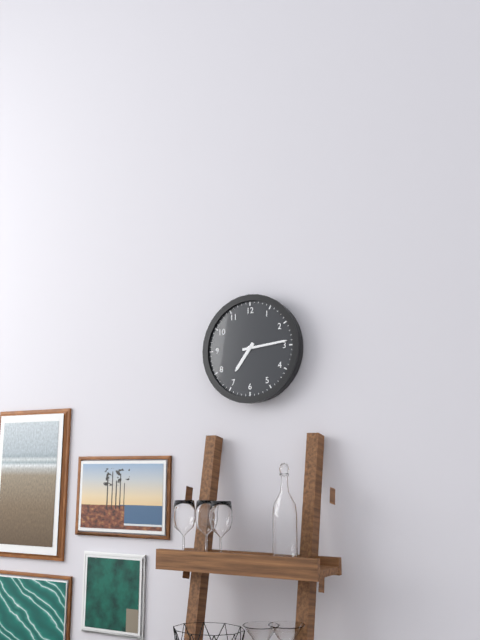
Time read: 7h14
